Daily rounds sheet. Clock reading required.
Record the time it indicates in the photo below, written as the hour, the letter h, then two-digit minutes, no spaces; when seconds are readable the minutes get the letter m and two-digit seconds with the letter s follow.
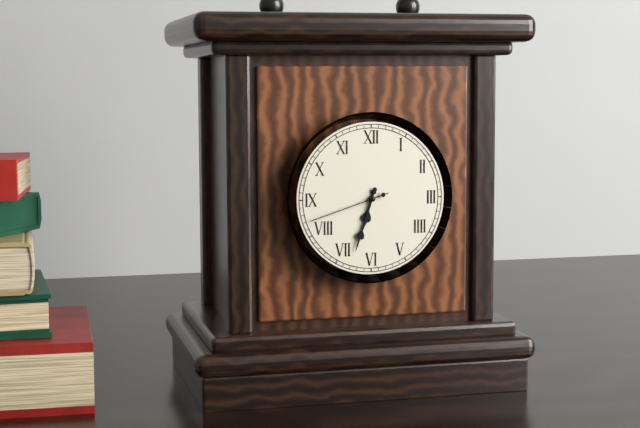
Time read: 6h33m42s
